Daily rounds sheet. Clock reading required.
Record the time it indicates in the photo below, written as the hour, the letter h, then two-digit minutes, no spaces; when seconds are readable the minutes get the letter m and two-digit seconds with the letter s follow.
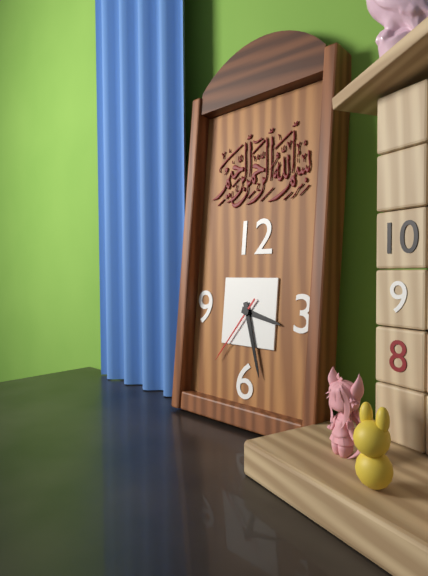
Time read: 3h27m36s
